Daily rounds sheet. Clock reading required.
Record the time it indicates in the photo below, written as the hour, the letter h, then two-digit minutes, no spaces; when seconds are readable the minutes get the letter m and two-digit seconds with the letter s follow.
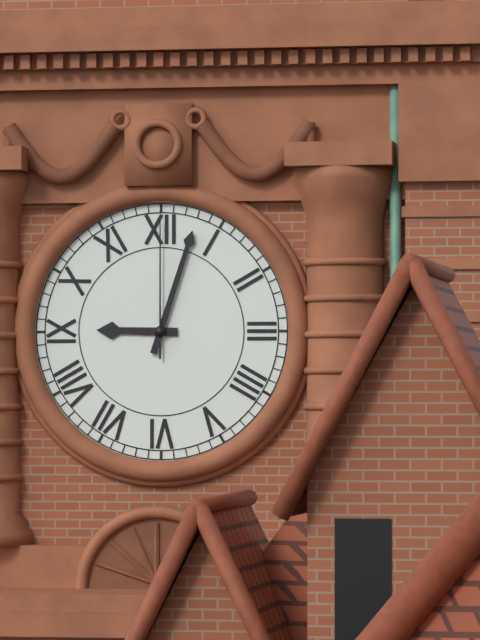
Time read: 9h03m00s
